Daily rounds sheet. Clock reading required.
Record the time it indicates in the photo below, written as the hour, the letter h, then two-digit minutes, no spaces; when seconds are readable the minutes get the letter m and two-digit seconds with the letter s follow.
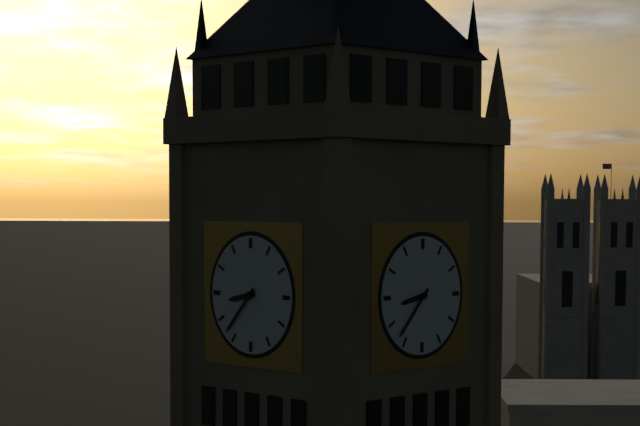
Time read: 8h37
